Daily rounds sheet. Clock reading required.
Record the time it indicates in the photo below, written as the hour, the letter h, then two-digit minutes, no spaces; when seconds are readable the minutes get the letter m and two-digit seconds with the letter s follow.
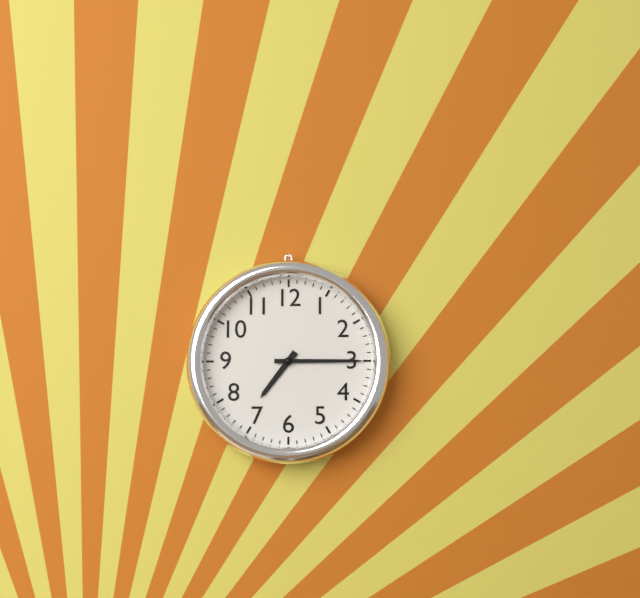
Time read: 7h15
